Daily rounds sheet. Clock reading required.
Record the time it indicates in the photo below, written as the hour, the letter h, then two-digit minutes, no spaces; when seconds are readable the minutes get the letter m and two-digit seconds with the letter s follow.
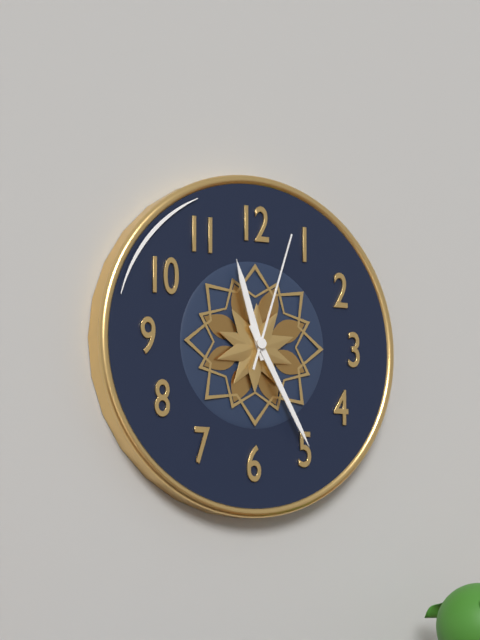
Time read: 11h25m03s
